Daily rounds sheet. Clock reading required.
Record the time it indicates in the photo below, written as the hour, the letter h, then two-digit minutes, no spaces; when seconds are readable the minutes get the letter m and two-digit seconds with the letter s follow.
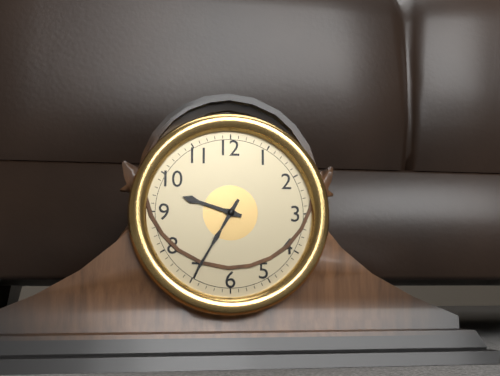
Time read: 9h35
